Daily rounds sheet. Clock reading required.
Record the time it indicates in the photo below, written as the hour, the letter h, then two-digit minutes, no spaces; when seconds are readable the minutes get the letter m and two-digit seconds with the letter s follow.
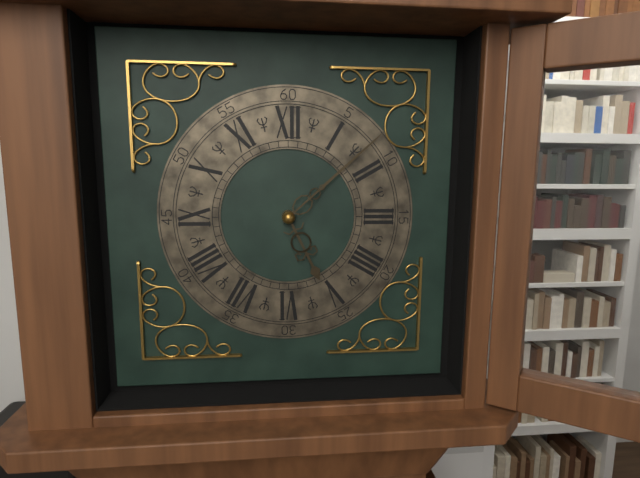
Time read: 5h08
